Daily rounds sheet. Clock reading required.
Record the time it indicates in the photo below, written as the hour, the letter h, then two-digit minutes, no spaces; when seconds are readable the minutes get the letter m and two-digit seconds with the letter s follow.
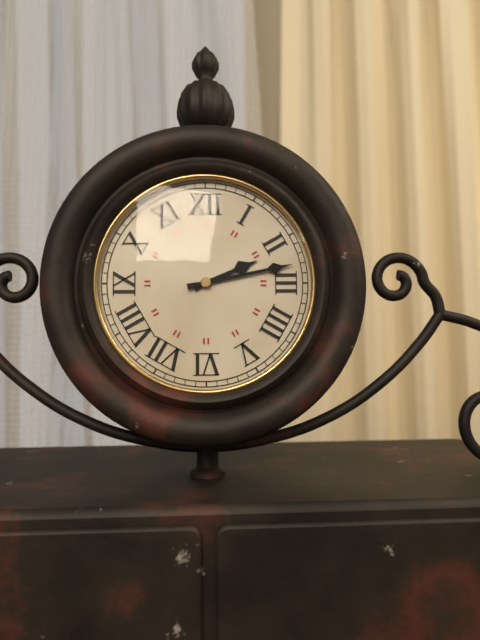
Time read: 2h13
